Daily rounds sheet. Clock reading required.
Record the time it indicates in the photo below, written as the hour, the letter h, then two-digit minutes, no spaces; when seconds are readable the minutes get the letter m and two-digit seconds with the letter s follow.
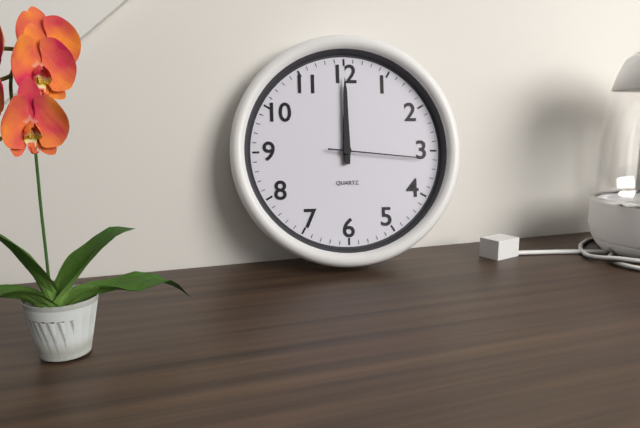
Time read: 12h00m16s
